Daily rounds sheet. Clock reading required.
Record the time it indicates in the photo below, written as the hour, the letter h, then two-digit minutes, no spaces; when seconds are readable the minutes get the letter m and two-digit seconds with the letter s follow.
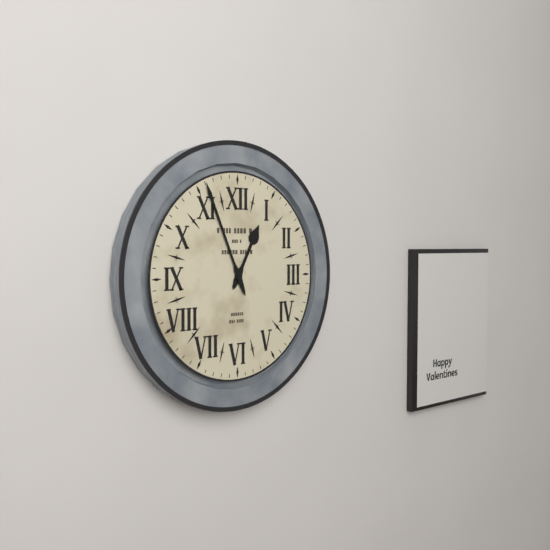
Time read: 12h56
